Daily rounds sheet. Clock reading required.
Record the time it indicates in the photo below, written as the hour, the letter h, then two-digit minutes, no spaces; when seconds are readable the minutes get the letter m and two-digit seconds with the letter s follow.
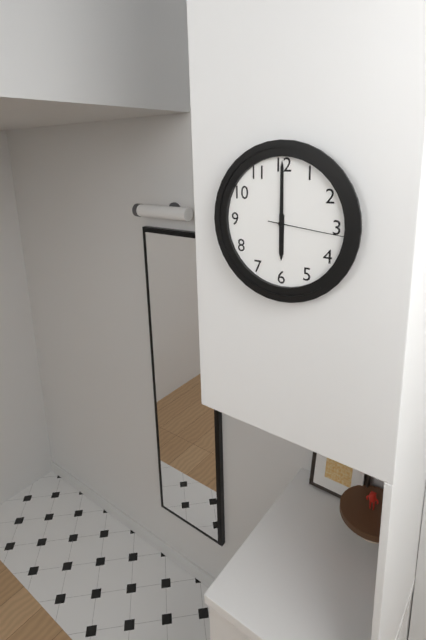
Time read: 6h00m16s
